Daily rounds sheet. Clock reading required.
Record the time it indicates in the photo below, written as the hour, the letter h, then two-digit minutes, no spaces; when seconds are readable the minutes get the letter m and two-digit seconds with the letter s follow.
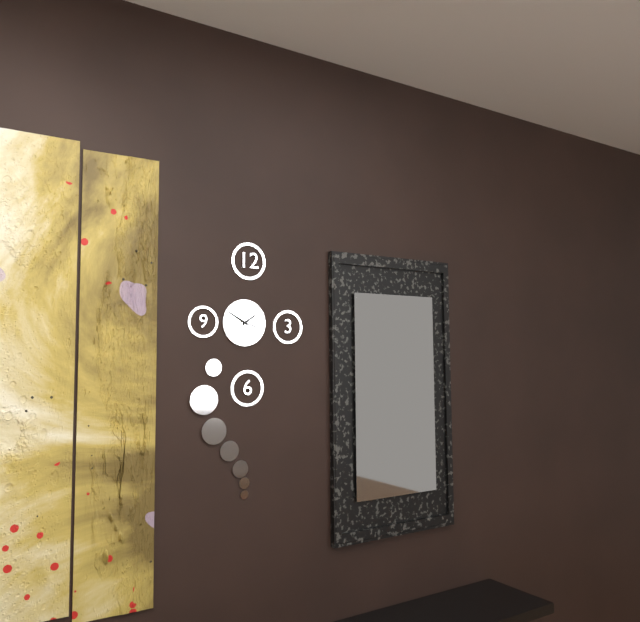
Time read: 1h50
